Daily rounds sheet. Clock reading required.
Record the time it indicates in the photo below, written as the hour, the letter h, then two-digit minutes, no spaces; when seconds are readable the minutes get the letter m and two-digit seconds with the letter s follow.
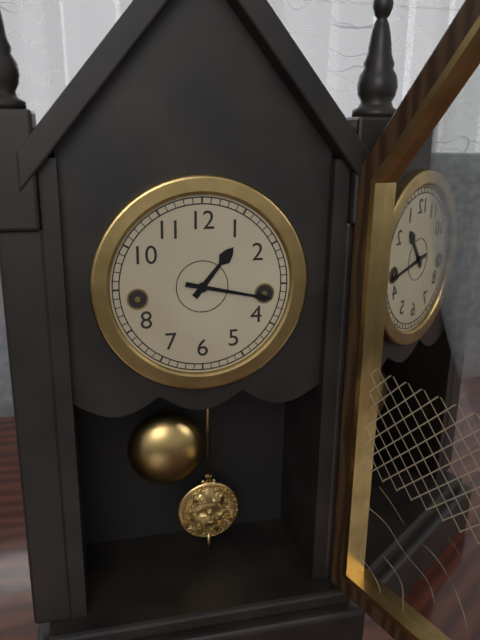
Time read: 1h17
